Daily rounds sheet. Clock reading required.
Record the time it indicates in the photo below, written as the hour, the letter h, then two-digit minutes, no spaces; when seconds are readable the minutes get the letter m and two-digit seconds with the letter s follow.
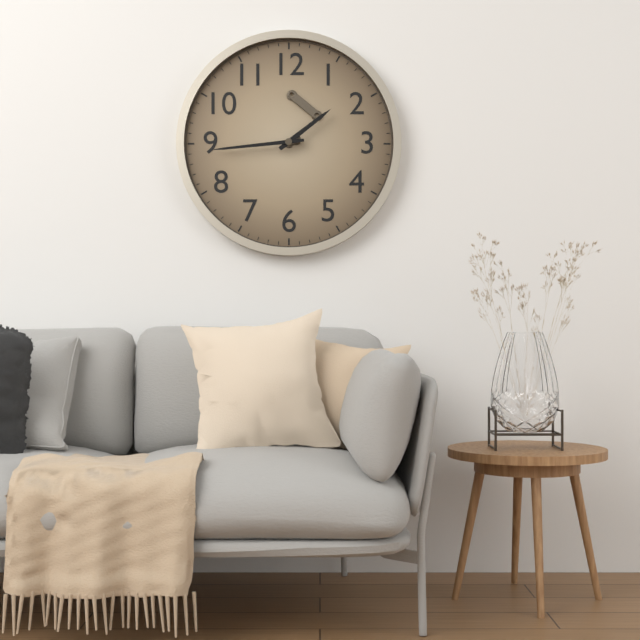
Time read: 1h44
